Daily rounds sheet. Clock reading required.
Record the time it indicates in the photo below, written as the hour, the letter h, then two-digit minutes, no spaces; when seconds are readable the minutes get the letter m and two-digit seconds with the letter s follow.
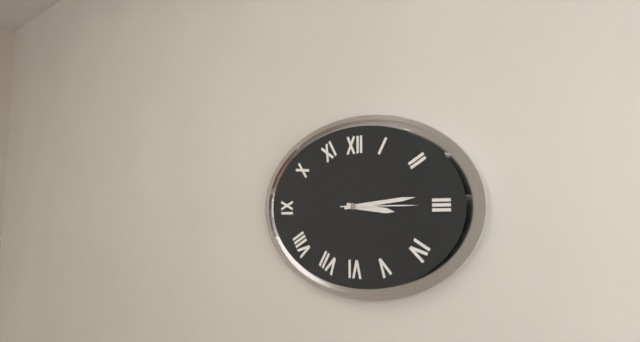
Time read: 3h14m15s
